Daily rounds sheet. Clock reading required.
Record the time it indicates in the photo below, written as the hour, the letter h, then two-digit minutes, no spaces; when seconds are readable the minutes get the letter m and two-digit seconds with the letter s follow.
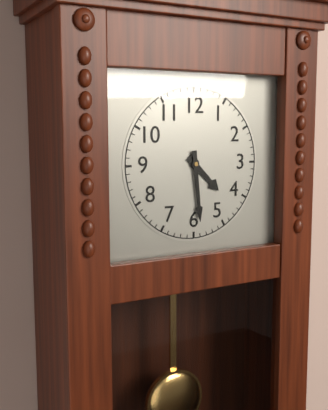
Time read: 4h29
